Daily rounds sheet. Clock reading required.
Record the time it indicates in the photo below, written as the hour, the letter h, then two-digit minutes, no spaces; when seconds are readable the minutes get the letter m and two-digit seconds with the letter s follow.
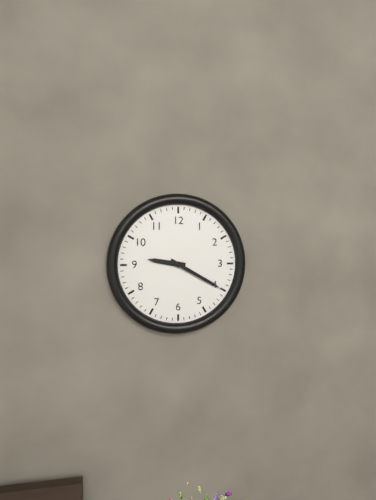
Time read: 9h20
